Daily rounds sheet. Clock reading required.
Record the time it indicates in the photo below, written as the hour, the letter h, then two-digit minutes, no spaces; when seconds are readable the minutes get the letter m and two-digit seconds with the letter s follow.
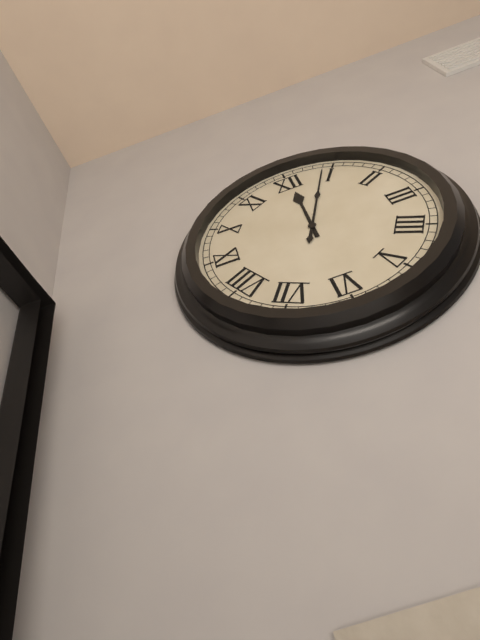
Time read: 12h04
